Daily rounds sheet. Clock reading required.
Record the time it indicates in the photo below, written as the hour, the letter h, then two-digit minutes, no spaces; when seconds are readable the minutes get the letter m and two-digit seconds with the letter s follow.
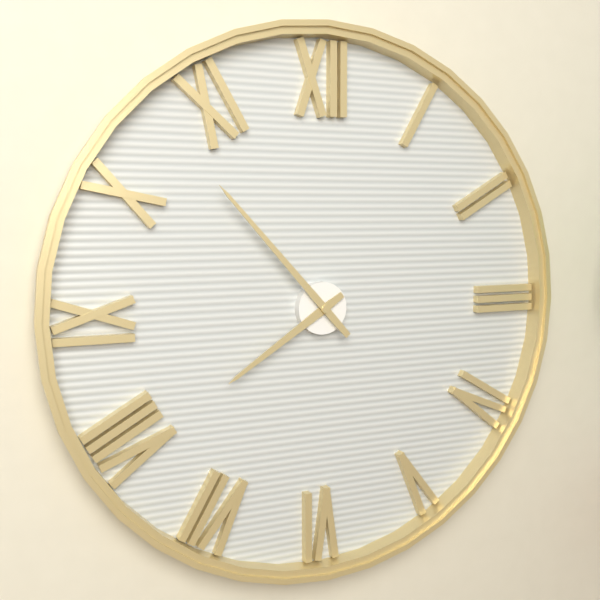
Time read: 7h53
